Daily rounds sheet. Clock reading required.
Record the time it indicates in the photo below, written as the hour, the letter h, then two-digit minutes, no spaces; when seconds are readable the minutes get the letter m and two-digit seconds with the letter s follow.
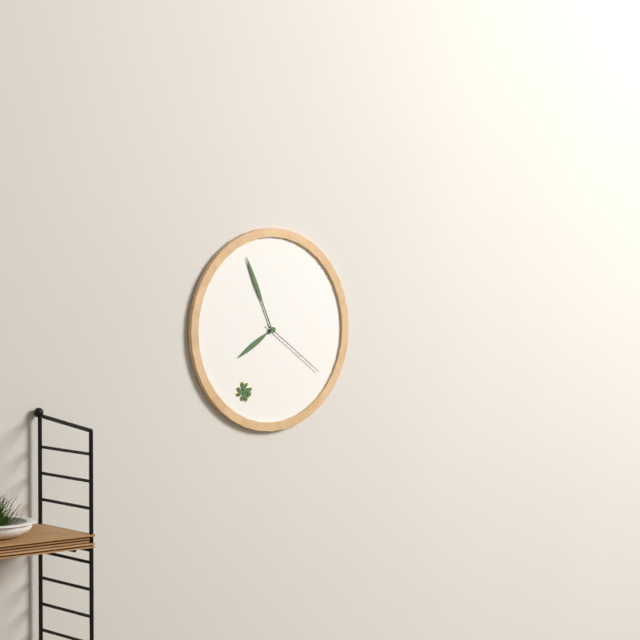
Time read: 7h56m21s
